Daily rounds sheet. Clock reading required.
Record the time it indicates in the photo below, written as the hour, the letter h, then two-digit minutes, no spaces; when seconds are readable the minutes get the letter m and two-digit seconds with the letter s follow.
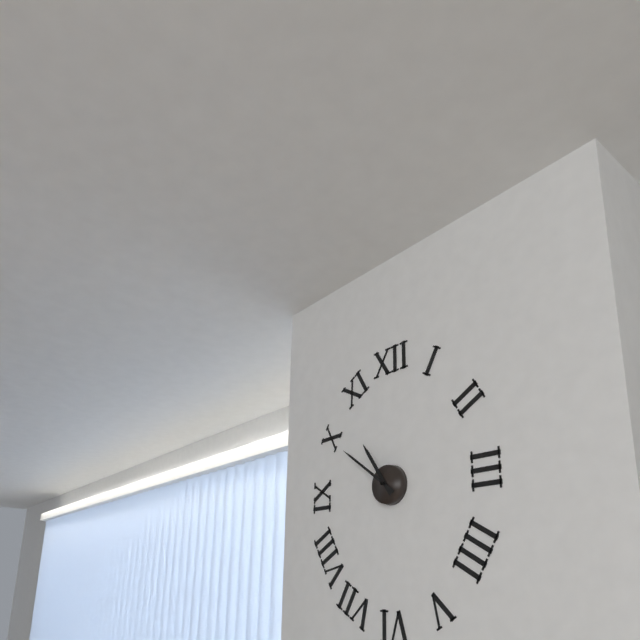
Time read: 10h51
